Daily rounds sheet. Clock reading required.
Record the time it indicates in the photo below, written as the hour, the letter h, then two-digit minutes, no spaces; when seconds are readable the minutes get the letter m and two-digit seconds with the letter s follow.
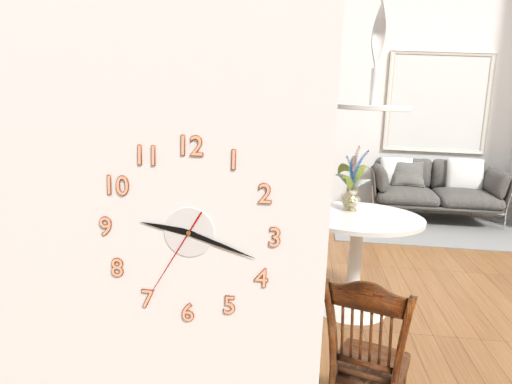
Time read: 9h18m35s
